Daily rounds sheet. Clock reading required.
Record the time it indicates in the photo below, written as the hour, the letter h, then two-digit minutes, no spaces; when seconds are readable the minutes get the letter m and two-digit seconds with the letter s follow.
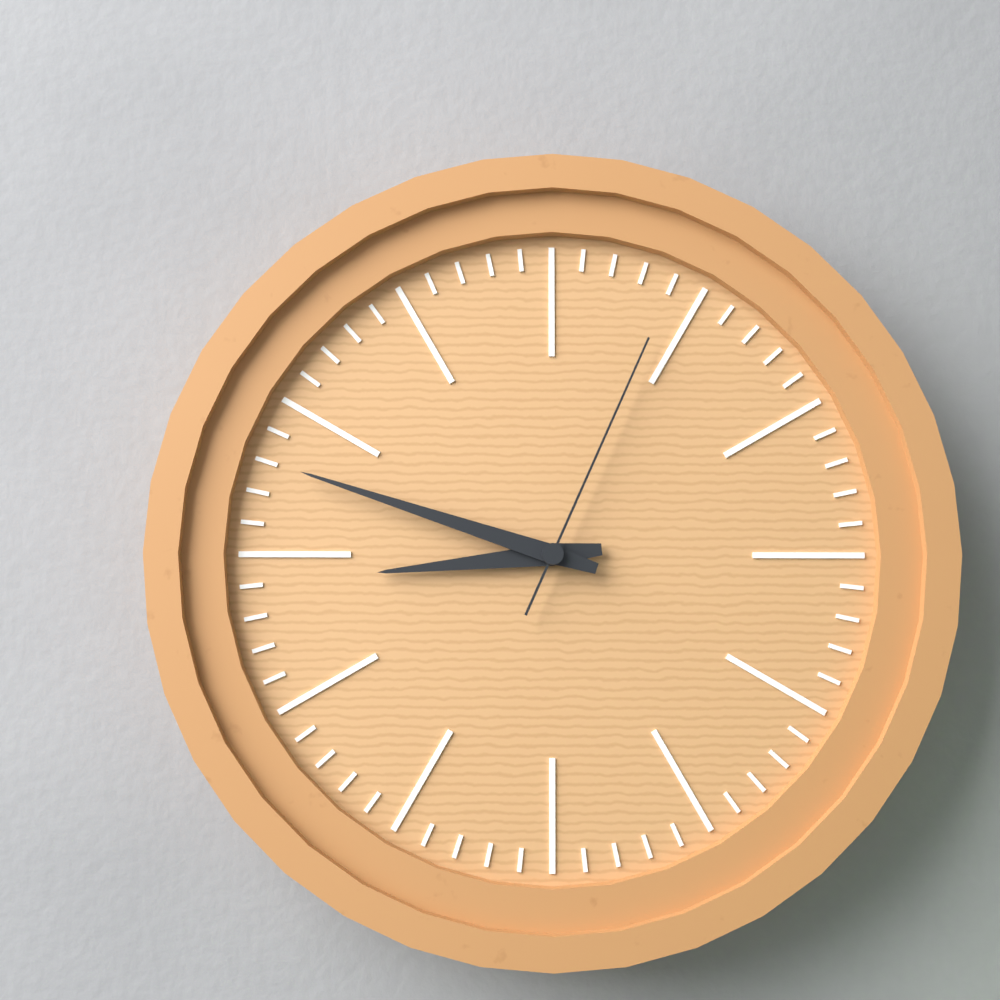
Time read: 8h48m04s
